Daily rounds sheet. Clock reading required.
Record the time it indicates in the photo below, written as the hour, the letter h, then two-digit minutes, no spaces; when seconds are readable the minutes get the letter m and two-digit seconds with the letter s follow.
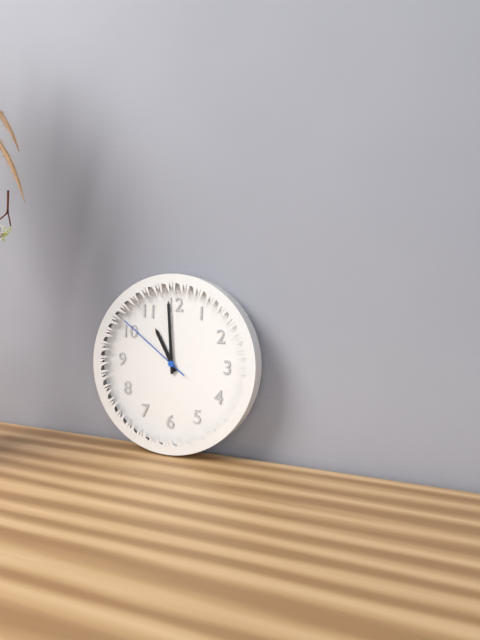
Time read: 10h59m51s
